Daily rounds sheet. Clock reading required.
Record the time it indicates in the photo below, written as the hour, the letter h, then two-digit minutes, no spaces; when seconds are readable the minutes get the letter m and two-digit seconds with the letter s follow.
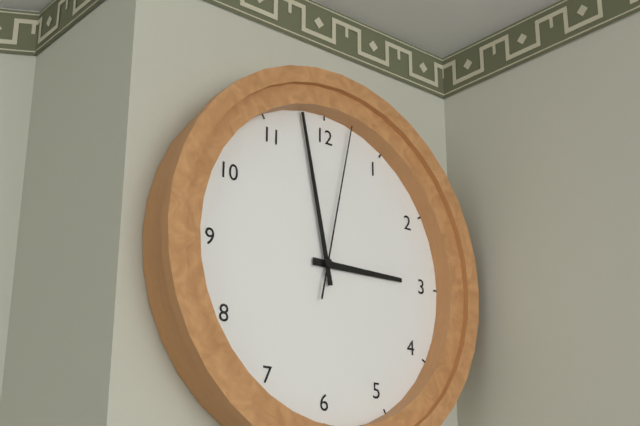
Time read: 2h58m02s
